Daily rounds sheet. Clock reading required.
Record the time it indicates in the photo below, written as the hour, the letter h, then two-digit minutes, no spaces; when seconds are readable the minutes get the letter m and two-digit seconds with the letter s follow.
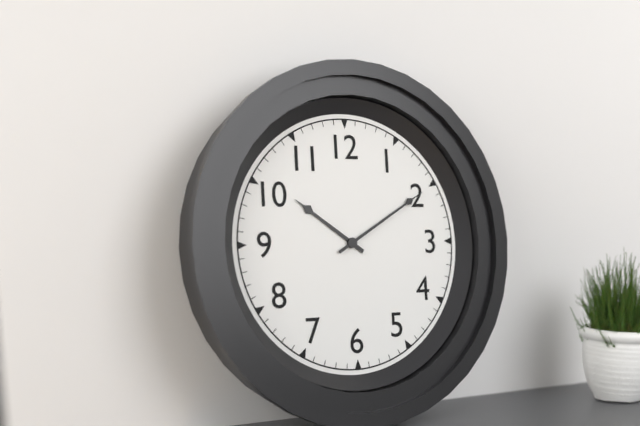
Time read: 10h10
